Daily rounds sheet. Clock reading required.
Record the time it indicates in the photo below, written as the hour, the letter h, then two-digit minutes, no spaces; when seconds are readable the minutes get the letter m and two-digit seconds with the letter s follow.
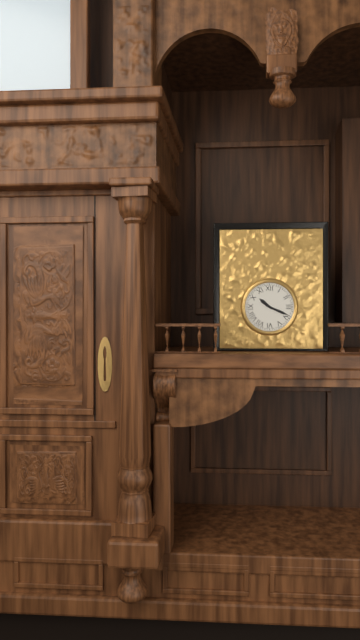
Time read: 10h19
